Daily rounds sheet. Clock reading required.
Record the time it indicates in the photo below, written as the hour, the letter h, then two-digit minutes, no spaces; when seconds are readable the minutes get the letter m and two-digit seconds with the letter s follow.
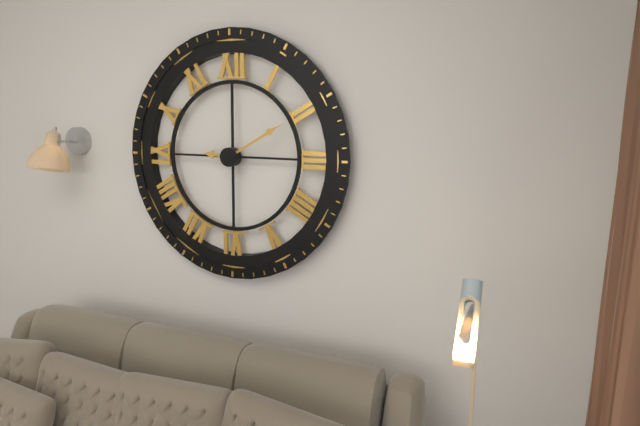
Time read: 9h10
